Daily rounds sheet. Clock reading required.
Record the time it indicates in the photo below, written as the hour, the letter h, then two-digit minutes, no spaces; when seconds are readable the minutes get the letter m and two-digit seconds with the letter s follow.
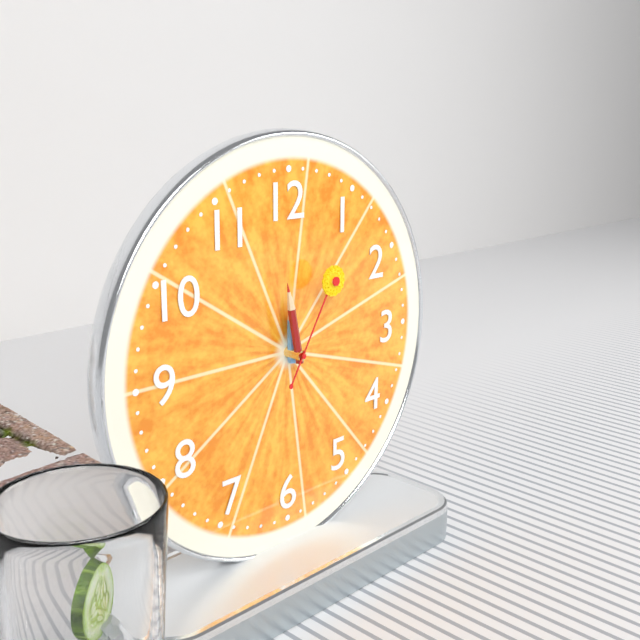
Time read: 11h58m05s
